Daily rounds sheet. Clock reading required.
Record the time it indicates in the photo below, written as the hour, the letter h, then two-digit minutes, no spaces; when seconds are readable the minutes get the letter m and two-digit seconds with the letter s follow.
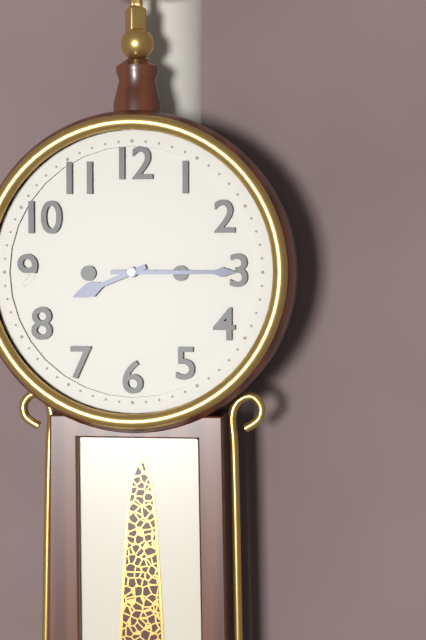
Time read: 8h15
